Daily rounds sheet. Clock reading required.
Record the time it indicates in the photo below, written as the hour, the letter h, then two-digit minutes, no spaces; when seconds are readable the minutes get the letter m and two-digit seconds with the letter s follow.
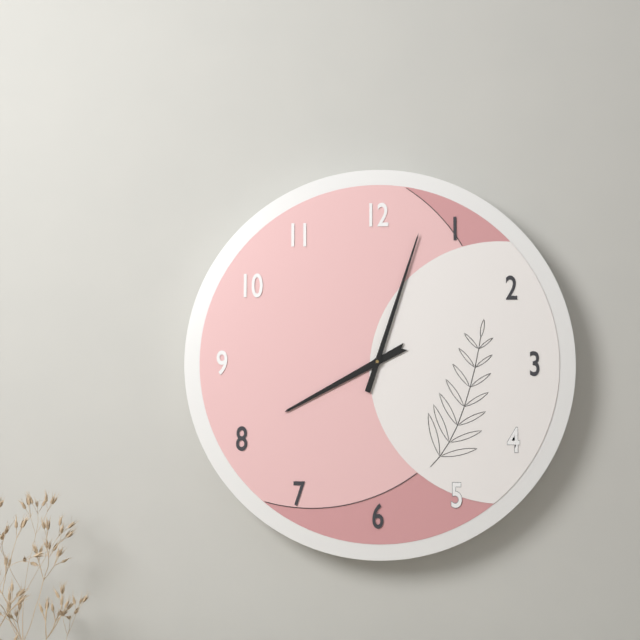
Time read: 8h03
